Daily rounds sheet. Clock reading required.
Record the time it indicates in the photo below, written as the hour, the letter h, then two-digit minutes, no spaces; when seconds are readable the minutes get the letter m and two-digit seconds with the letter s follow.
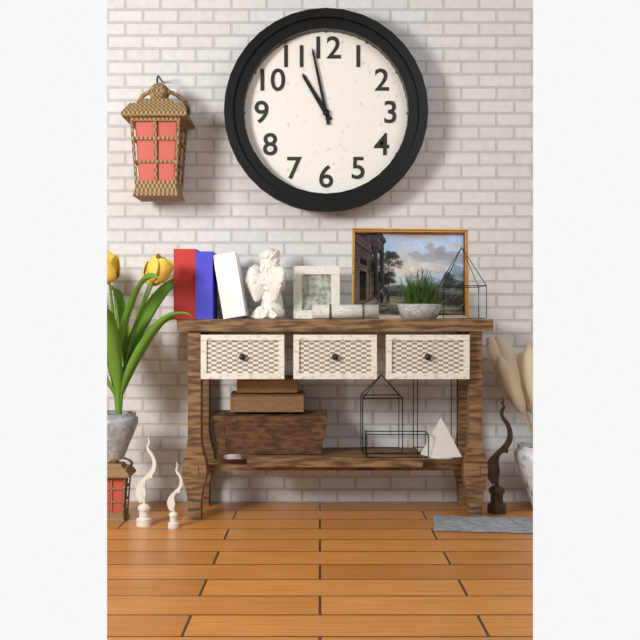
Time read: 10h58
